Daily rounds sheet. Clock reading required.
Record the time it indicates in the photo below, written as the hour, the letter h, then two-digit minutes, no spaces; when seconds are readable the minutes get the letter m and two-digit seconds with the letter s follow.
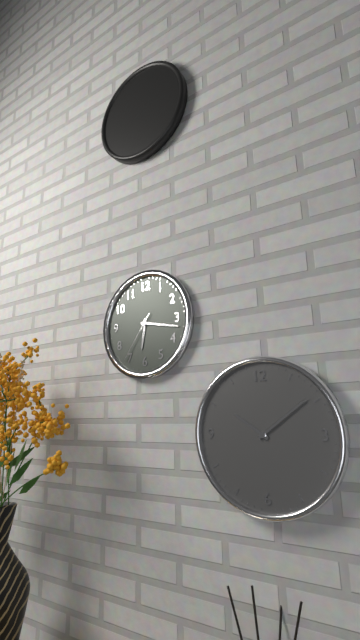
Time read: 6h17m36s
